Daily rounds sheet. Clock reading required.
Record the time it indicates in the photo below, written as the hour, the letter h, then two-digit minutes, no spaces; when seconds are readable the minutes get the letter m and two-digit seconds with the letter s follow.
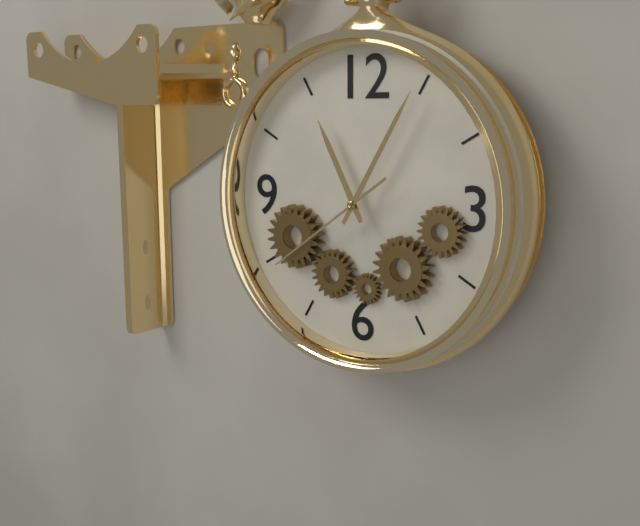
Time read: 11h05m39s
